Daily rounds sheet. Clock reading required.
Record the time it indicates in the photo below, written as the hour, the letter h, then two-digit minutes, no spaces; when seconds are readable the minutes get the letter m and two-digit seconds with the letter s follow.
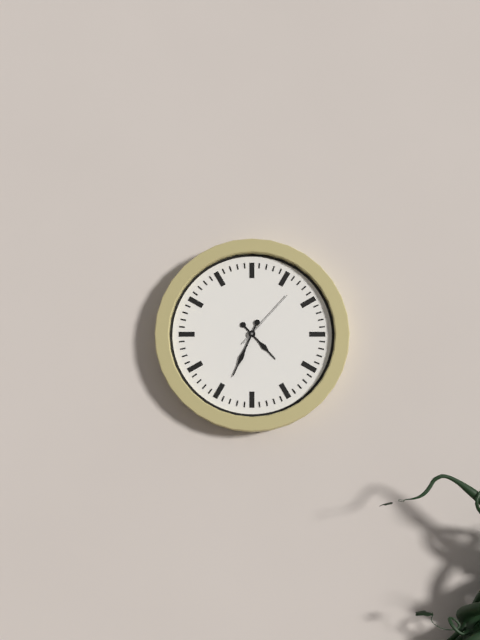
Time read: 4h34m07s
